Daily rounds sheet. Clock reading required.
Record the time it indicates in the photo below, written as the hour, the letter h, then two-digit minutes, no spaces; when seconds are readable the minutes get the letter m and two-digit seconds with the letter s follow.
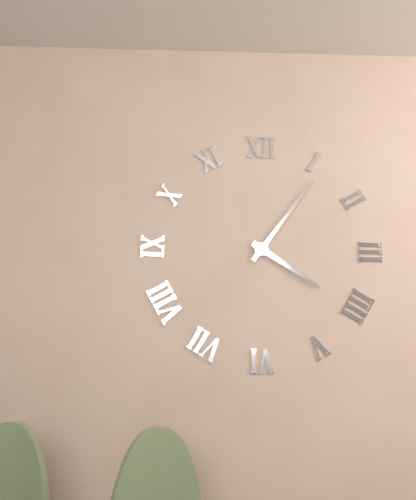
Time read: 4h06
